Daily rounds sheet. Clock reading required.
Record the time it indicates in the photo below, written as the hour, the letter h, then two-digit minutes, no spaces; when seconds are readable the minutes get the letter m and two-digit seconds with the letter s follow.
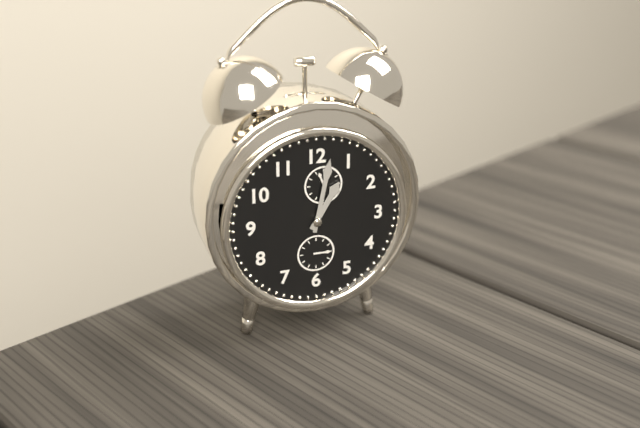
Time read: 1h02
